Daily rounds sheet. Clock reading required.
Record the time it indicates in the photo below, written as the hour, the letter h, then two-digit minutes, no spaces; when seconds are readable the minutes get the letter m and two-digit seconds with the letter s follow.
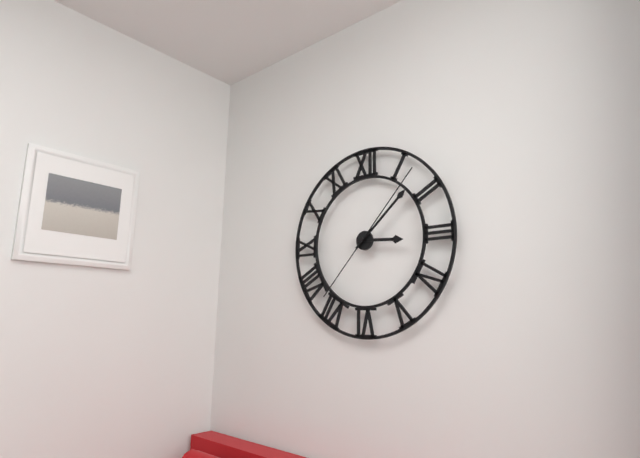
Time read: 3h08m07s
